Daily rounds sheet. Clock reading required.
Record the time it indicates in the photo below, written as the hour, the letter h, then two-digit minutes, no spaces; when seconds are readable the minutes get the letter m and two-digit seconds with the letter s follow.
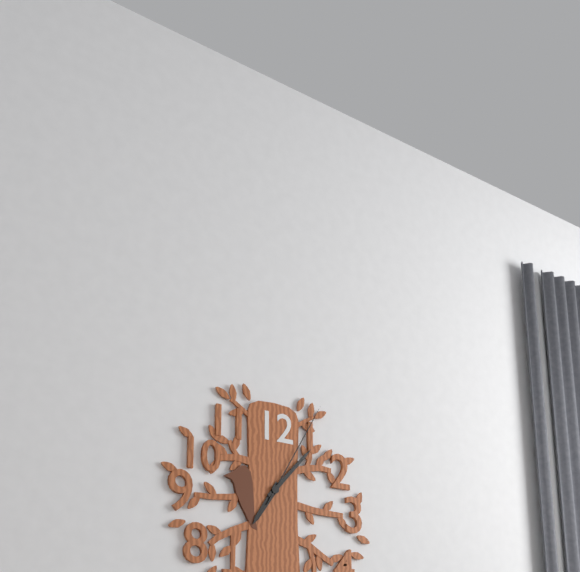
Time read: 7h07m05s
